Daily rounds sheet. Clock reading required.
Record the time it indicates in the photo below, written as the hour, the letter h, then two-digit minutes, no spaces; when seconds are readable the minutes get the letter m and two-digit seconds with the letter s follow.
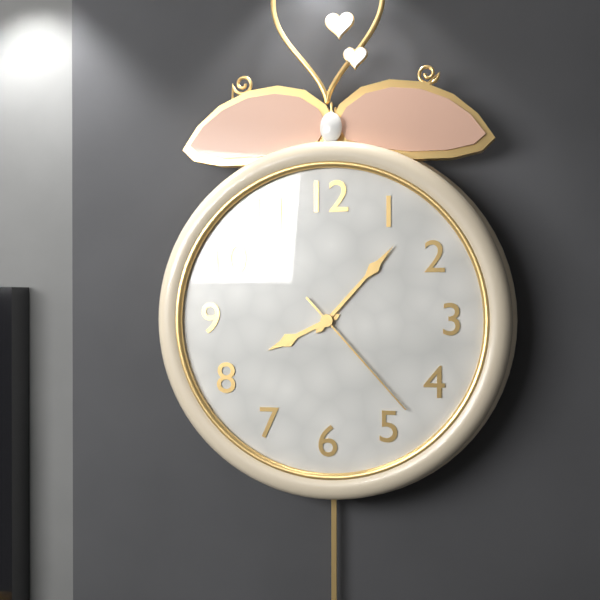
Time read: 8h07m23s
